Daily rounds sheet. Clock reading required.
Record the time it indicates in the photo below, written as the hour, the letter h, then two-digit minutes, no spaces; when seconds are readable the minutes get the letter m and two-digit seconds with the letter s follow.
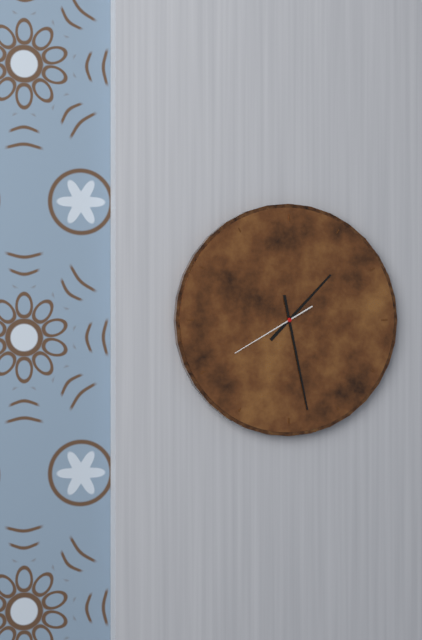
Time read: 1h28m40s
